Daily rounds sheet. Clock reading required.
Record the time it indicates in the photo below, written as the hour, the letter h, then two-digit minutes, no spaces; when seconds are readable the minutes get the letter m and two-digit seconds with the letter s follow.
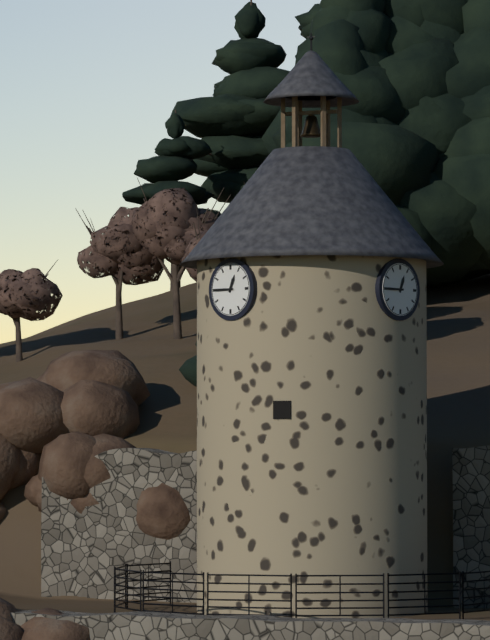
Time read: 12h45
